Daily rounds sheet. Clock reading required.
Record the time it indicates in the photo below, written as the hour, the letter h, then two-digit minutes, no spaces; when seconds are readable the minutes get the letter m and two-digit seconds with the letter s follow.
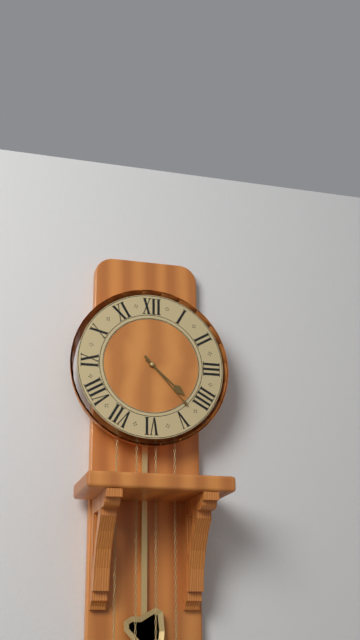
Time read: 4h23
